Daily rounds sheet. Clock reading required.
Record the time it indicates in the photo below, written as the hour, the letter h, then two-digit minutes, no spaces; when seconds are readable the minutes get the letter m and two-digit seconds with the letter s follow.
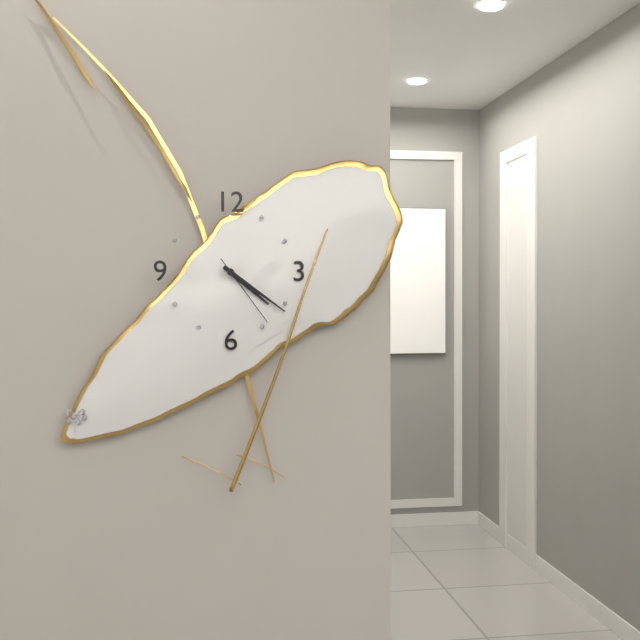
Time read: 4h21m24s
